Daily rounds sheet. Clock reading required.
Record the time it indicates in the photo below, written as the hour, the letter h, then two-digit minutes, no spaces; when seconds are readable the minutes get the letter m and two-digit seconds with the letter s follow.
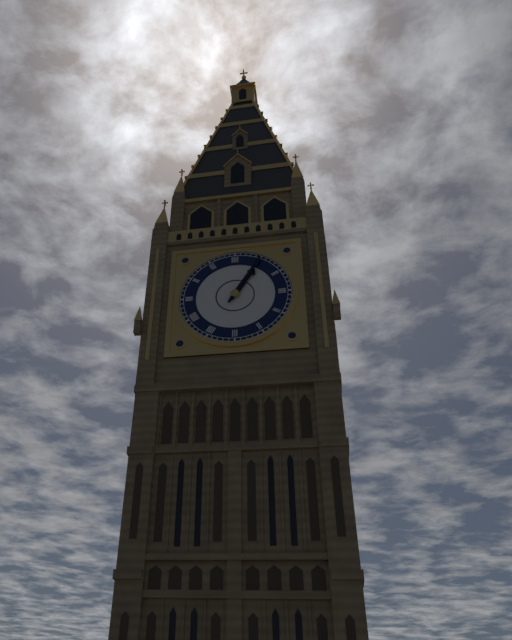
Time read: 1h05
